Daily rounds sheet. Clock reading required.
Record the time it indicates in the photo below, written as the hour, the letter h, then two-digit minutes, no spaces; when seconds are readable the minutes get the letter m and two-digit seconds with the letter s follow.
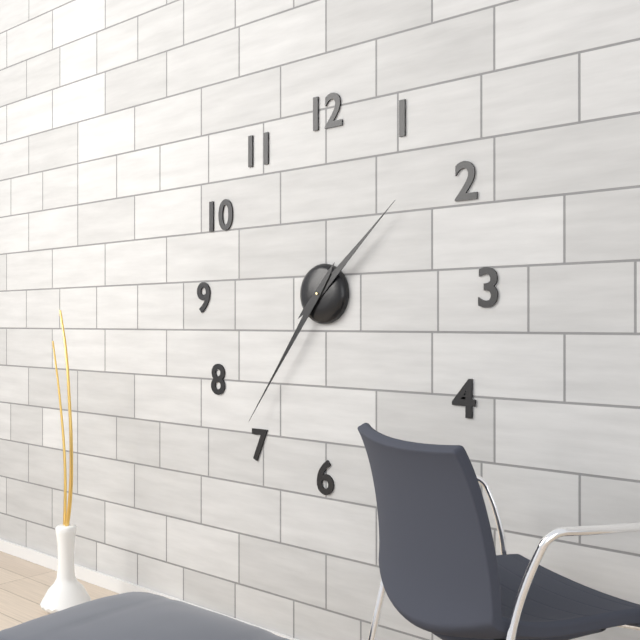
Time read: 1h36
